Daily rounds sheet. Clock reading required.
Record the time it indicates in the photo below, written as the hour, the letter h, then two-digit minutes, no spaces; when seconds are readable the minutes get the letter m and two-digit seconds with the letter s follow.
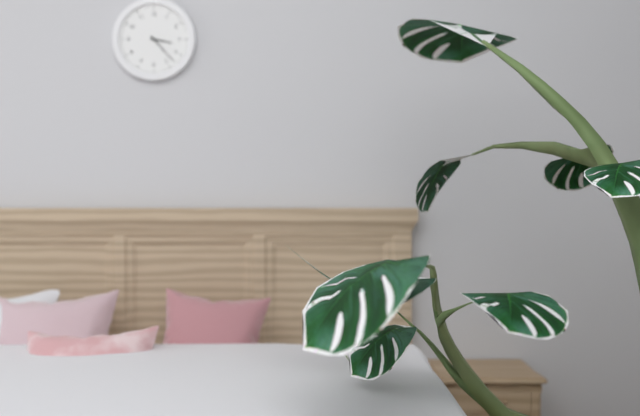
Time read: 3h23
